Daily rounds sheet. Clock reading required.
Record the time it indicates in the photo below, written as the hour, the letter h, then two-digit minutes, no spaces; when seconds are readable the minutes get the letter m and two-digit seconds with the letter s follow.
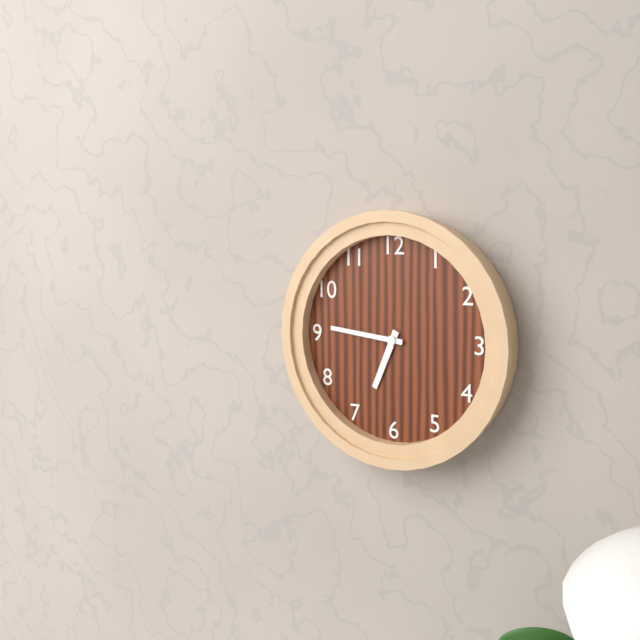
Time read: 6h46
